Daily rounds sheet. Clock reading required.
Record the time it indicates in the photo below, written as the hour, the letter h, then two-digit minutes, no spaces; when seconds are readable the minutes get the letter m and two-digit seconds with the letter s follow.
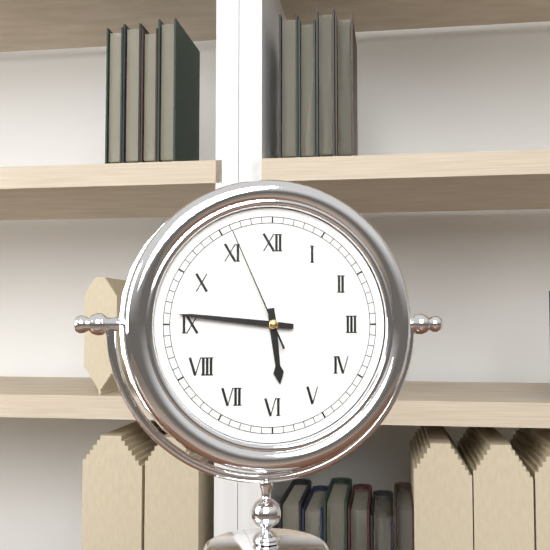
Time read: 5h46m56s
